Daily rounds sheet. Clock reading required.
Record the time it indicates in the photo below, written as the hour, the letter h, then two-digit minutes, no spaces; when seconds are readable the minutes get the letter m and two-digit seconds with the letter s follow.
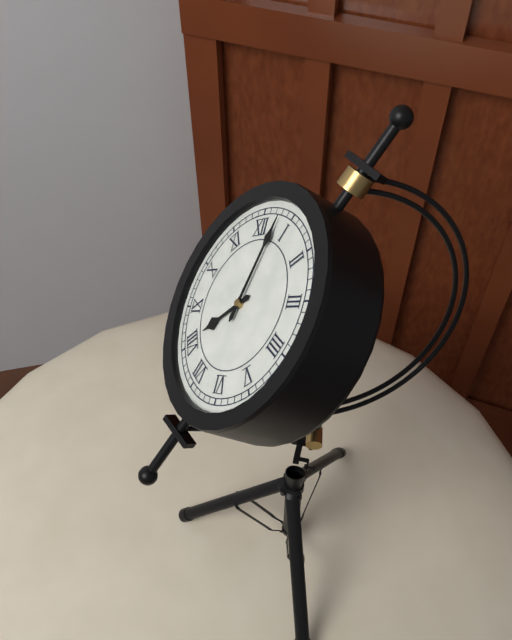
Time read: 8h03
